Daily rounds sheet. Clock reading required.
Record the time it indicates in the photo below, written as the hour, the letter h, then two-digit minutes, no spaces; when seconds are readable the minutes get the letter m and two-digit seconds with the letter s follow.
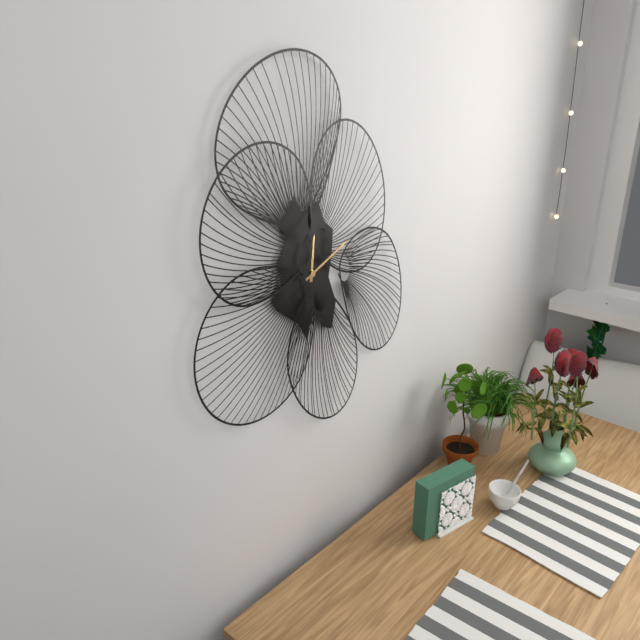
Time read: 12h11
